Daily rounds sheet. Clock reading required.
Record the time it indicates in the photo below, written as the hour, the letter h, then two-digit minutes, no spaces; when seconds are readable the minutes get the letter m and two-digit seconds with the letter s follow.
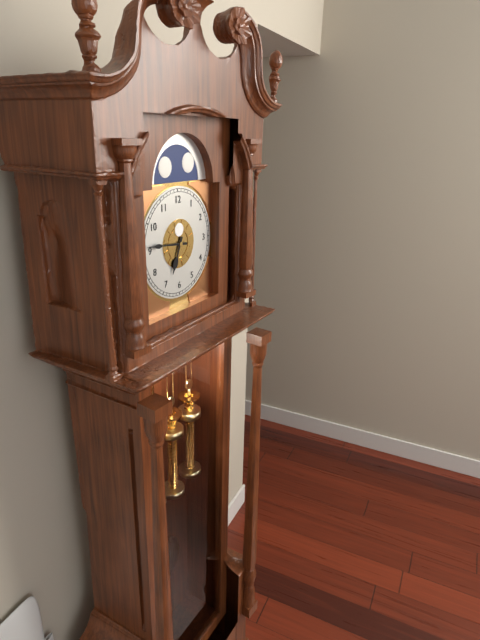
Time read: 6h46
